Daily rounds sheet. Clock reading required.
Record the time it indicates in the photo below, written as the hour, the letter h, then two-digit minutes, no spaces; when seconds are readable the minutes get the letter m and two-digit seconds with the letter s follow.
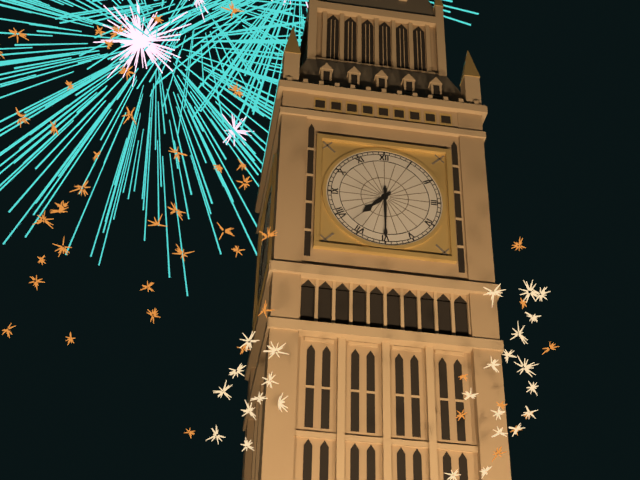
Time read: 7h30
